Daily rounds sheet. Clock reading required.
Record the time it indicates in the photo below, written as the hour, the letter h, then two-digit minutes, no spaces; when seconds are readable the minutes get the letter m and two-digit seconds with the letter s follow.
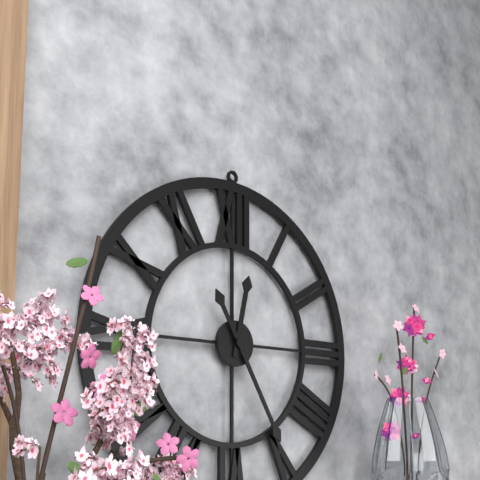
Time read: 12h25
